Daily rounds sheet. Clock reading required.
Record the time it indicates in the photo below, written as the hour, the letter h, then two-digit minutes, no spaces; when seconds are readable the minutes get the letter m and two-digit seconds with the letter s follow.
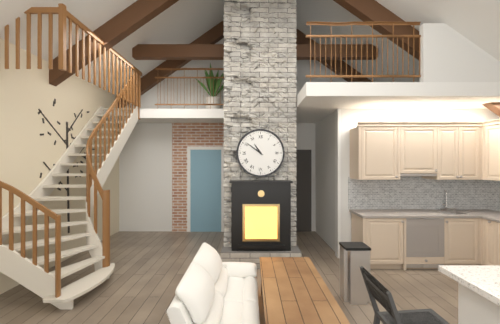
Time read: 10h51
